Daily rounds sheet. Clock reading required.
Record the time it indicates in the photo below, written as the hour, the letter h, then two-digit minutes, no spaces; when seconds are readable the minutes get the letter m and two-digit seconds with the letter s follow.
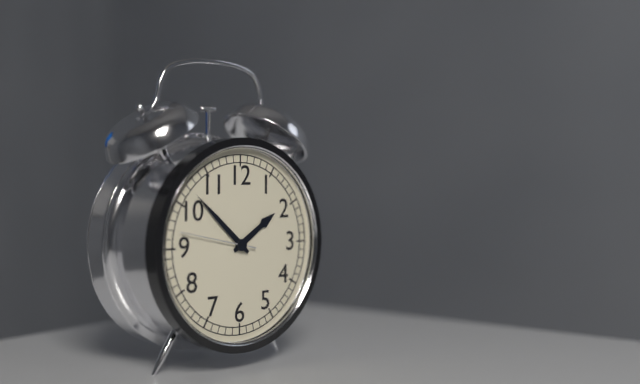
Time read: 1h52m47s
